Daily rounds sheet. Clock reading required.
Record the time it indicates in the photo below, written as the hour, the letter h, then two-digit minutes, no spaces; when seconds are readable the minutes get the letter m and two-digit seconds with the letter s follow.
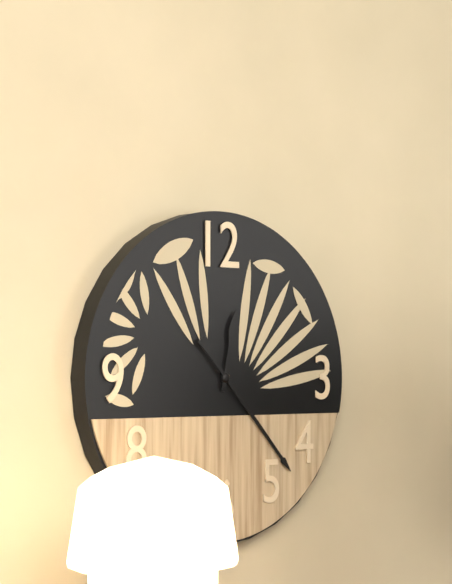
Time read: 12h23
